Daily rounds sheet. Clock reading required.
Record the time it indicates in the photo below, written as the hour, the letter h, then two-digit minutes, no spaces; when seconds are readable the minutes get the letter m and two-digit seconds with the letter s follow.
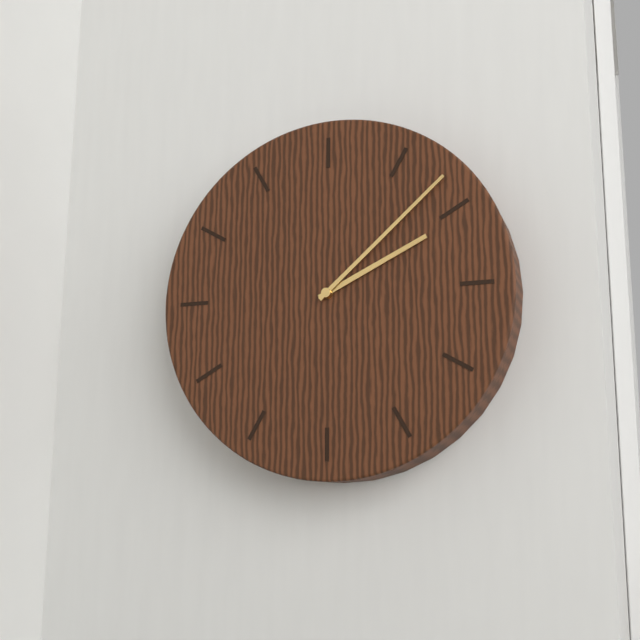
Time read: 2h08
